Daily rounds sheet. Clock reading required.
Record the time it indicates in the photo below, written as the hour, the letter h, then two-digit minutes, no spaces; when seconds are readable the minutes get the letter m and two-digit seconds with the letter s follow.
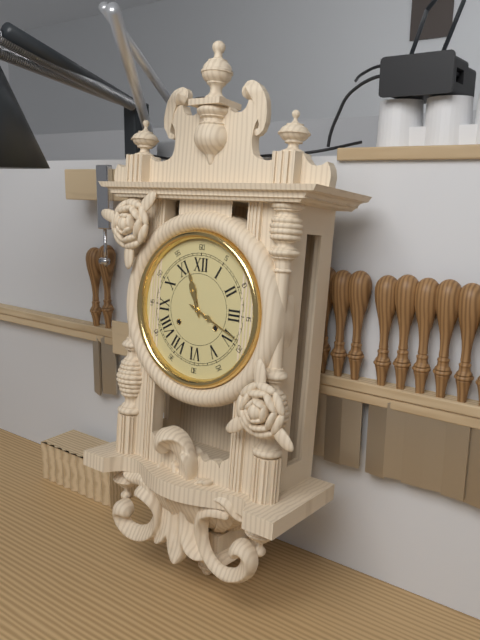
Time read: 11h19
